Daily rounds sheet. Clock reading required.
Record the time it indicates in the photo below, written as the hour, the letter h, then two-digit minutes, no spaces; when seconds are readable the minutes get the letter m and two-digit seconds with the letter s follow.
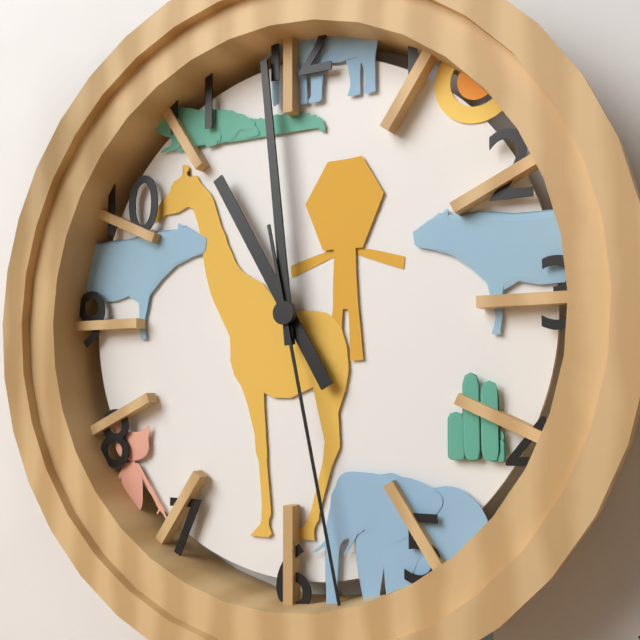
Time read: 10h59m28s
